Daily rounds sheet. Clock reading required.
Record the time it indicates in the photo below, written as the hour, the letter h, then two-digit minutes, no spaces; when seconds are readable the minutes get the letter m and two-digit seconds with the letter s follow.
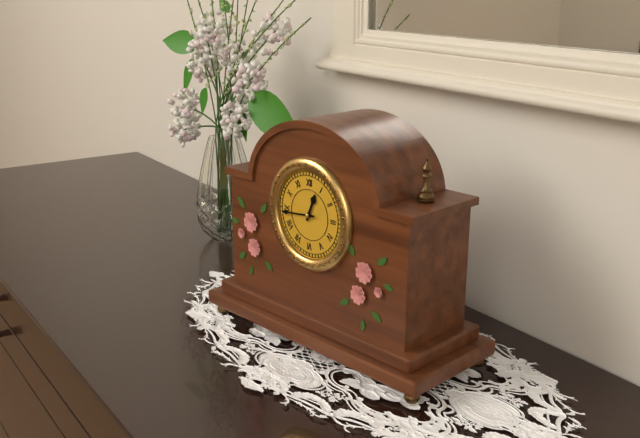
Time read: 12h44
